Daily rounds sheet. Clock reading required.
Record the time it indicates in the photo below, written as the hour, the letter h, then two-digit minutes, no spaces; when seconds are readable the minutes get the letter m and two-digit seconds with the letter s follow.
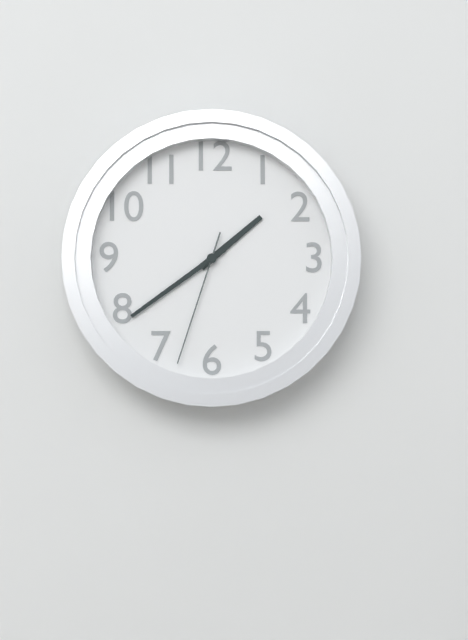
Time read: 1h39m33s
